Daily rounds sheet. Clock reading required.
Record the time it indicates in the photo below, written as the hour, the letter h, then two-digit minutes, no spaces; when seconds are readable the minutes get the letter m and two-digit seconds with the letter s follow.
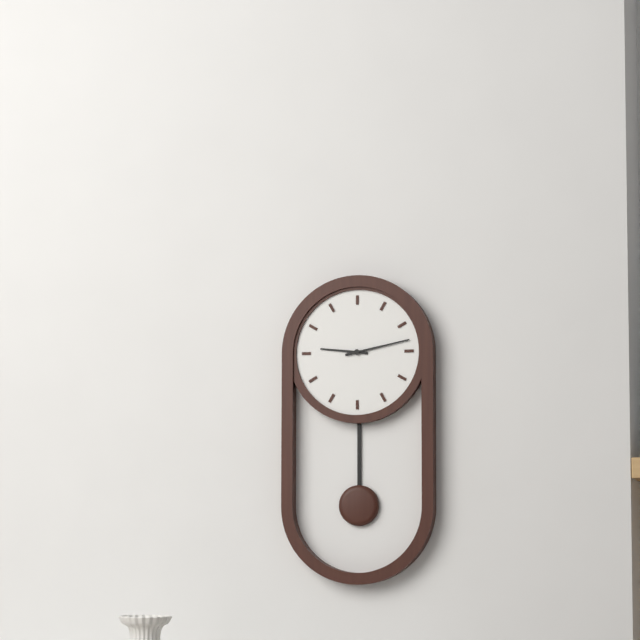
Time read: 9h13
